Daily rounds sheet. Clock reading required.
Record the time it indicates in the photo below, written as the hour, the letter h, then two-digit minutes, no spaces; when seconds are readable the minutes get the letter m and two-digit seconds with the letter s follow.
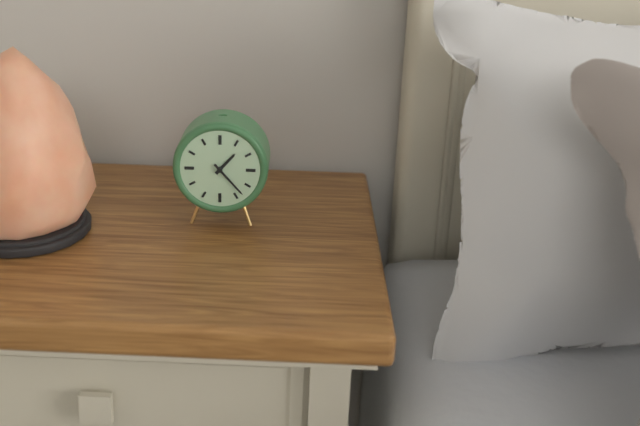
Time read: 1h23
